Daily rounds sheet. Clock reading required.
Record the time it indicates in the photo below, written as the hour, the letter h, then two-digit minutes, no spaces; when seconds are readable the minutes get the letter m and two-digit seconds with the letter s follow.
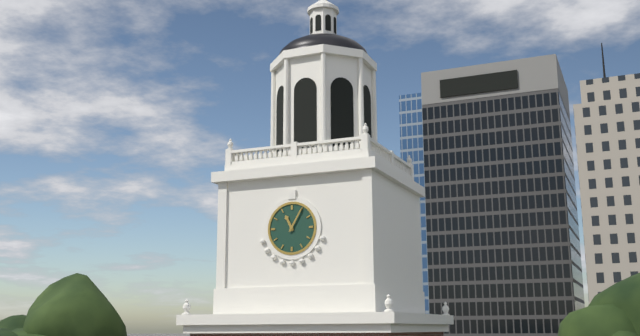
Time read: 11h05
